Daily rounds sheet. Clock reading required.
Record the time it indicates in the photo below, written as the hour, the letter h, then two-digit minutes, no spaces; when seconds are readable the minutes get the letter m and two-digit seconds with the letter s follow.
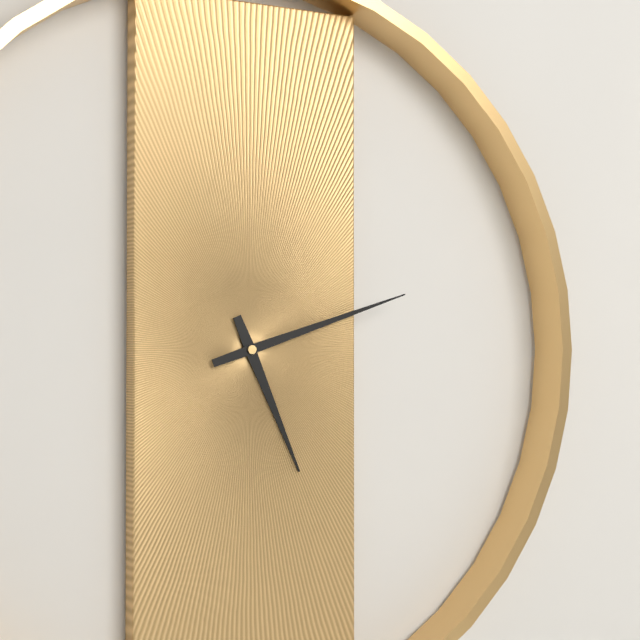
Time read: 5h12
